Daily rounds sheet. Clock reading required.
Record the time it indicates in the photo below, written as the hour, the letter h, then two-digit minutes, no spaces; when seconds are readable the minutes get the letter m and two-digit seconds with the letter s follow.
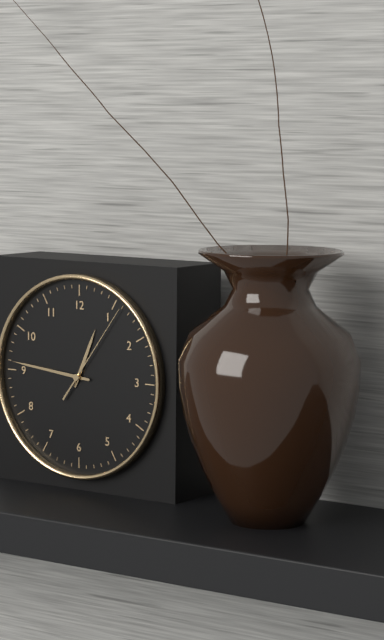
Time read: 12h46m06s
